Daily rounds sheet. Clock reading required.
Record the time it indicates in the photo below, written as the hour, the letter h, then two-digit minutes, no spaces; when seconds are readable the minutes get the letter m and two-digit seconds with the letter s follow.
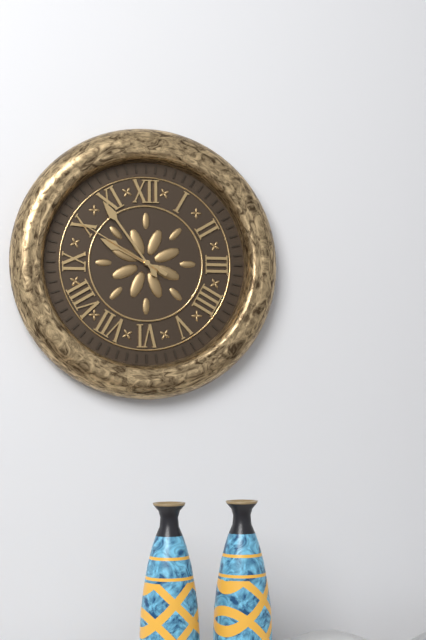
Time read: 9h54m50s
